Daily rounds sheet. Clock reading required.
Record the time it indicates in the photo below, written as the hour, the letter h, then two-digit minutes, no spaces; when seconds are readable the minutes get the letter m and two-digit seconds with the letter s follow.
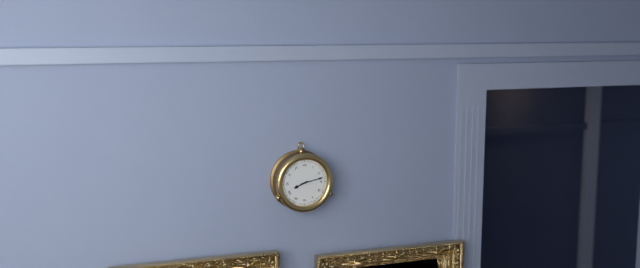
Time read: 8h13
